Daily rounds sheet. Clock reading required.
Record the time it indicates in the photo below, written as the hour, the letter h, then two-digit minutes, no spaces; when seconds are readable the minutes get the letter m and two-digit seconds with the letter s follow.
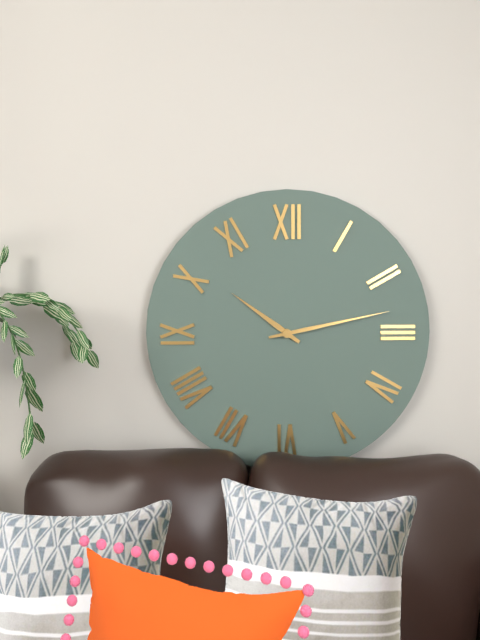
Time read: 10h13
